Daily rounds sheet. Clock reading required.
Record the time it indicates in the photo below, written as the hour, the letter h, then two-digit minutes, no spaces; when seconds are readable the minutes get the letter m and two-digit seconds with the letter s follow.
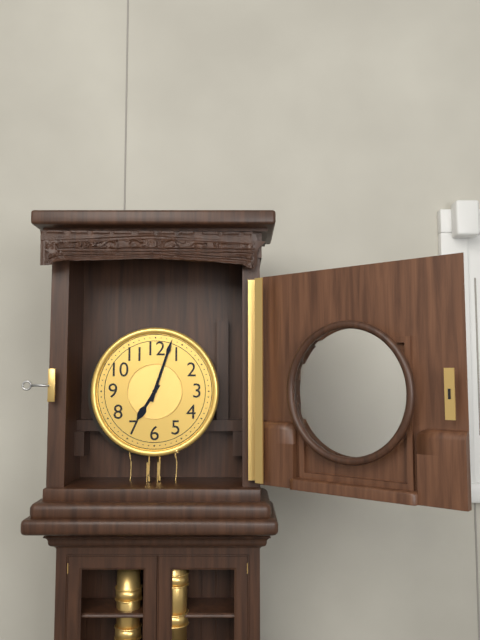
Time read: 7h03
